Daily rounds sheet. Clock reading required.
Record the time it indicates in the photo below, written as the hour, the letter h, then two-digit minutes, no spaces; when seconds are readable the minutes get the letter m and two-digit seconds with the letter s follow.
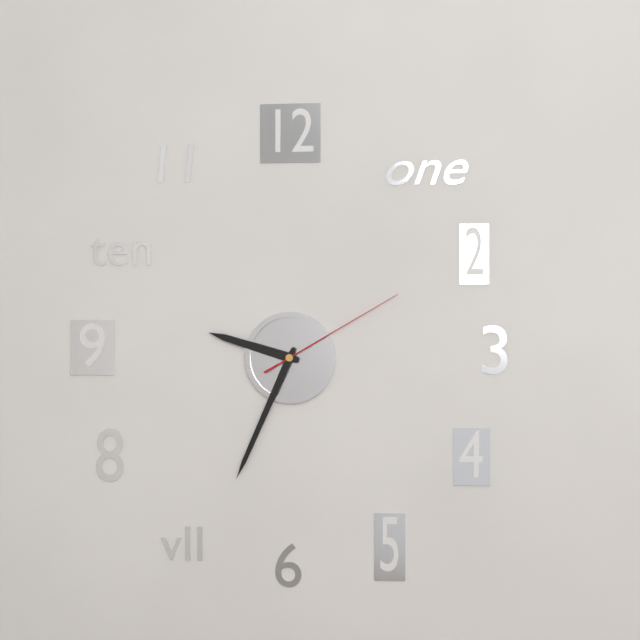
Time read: 9h34m10s
